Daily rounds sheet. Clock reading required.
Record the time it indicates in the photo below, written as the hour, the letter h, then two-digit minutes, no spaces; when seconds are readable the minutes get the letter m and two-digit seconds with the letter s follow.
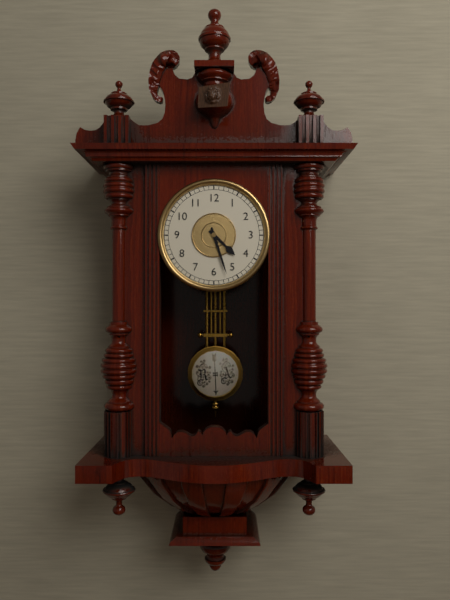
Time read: 4h27
